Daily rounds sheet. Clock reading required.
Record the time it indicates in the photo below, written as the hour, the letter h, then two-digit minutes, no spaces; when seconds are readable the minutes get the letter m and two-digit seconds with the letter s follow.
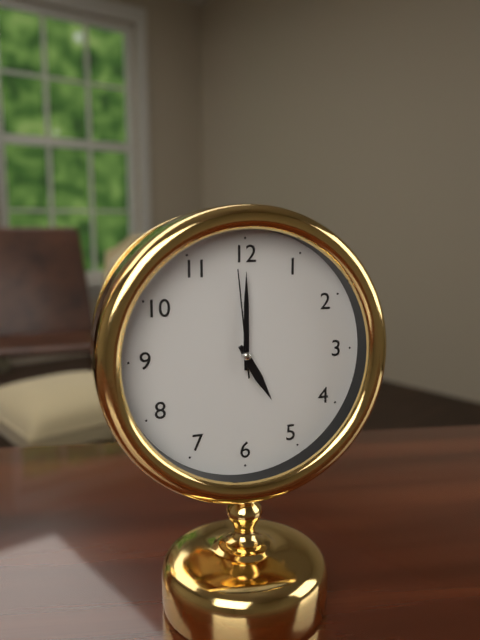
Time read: 5h00m59s
